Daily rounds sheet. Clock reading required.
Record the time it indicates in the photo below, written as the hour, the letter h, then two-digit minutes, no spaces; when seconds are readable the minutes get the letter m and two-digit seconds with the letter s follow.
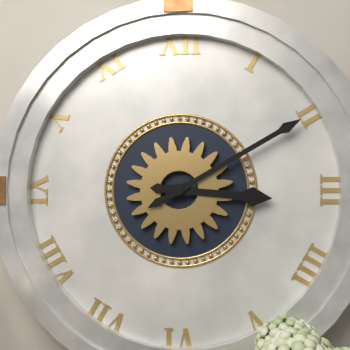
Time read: 3h10
